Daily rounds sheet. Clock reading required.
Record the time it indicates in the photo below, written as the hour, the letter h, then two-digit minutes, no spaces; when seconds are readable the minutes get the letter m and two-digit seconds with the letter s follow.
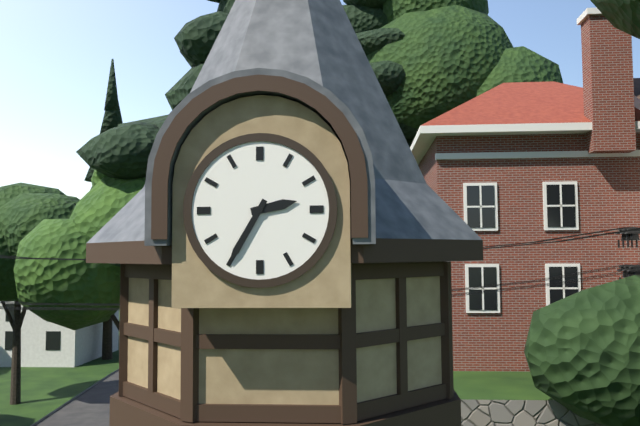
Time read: 2h35
